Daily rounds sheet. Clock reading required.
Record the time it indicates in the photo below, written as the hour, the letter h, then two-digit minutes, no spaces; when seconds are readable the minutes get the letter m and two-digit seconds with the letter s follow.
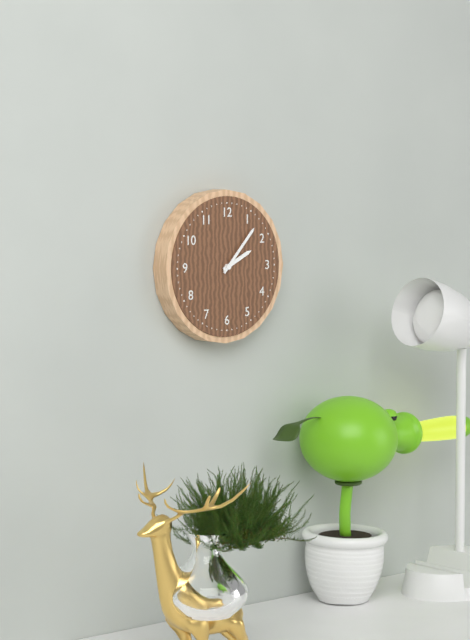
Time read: 2h07
